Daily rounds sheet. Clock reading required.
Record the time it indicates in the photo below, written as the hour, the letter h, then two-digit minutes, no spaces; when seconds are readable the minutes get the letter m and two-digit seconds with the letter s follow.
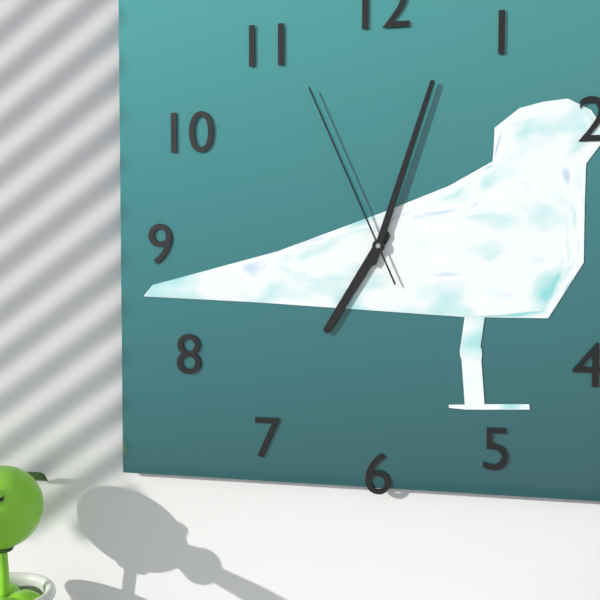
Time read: 7h03m56s
